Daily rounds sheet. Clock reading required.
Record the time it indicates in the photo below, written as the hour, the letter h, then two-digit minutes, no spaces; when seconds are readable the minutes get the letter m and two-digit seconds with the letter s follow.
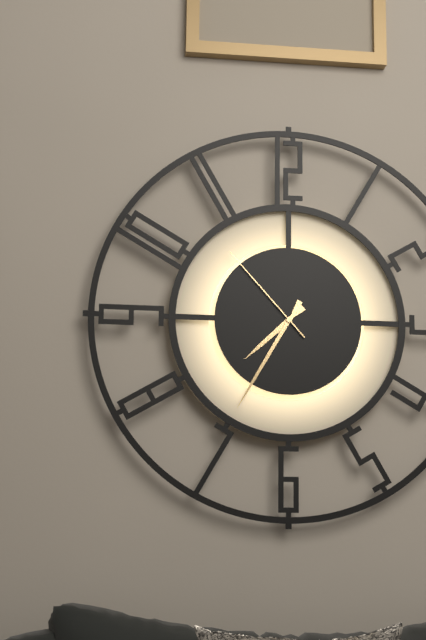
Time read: 7h35m53s
